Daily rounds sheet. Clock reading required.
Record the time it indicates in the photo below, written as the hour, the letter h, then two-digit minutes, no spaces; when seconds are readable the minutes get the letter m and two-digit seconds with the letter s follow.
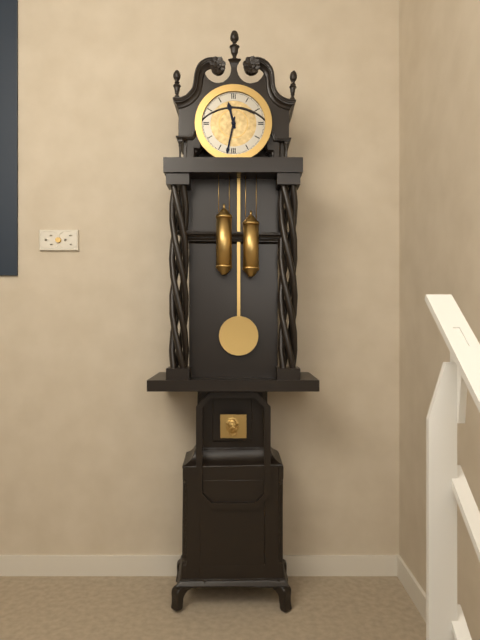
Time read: 11h32
